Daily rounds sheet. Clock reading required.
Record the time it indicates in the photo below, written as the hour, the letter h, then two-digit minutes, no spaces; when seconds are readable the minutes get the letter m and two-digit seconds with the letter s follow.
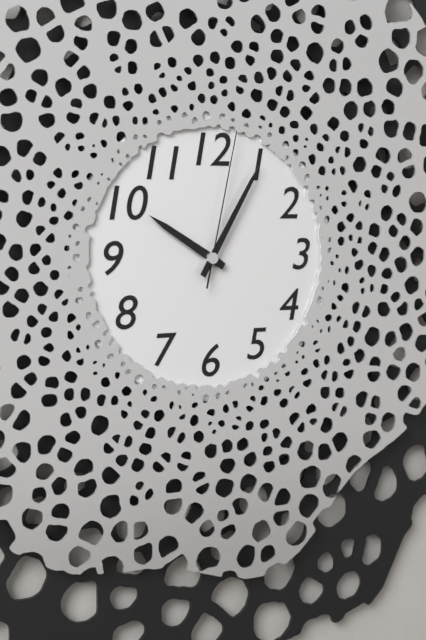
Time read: 10h05m02s
